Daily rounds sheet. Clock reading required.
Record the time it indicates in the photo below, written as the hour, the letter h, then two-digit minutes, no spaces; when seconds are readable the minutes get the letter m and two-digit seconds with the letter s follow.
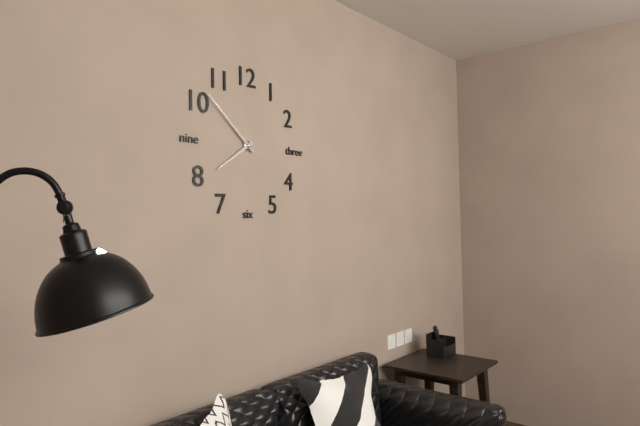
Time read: 7h52
